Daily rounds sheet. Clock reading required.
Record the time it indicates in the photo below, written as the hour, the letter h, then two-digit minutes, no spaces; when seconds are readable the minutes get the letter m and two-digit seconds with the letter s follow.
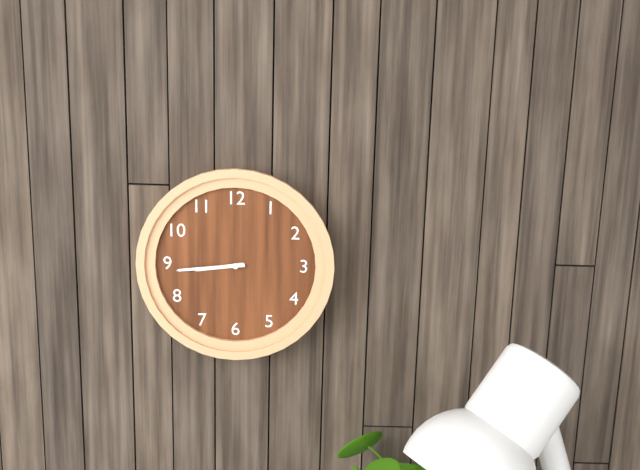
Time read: 8h44
